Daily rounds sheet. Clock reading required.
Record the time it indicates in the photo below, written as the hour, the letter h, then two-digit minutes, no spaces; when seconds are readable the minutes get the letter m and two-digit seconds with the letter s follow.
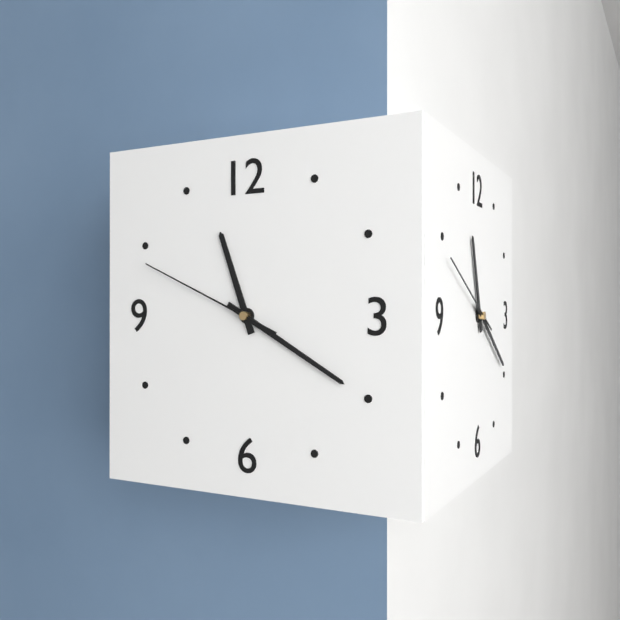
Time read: 11h20m49s
